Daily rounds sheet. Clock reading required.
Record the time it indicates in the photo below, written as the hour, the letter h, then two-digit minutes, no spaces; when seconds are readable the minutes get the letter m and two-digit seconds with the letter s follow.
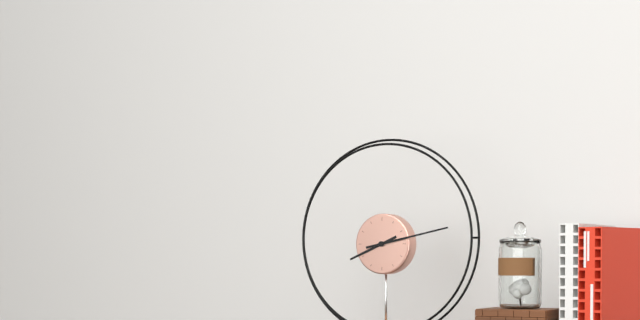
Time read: 8h13
